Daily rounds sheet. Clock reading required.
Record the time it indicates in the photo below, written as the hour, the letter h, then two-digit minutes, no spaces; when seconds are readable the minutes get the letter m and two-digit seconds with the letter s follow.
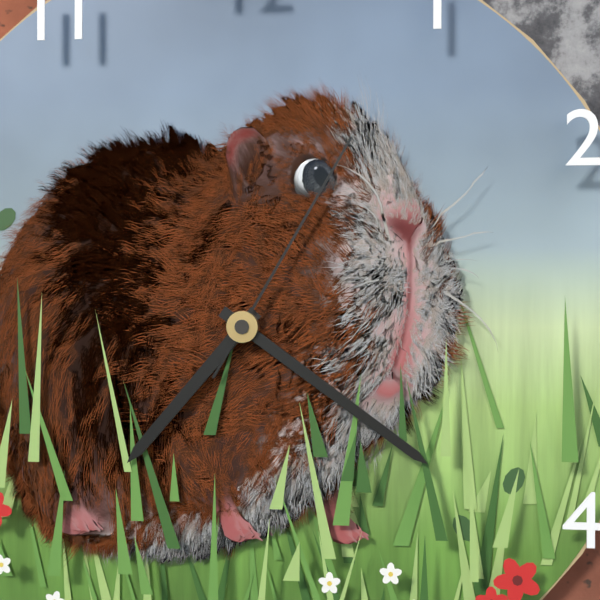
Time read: 7h21m05s
